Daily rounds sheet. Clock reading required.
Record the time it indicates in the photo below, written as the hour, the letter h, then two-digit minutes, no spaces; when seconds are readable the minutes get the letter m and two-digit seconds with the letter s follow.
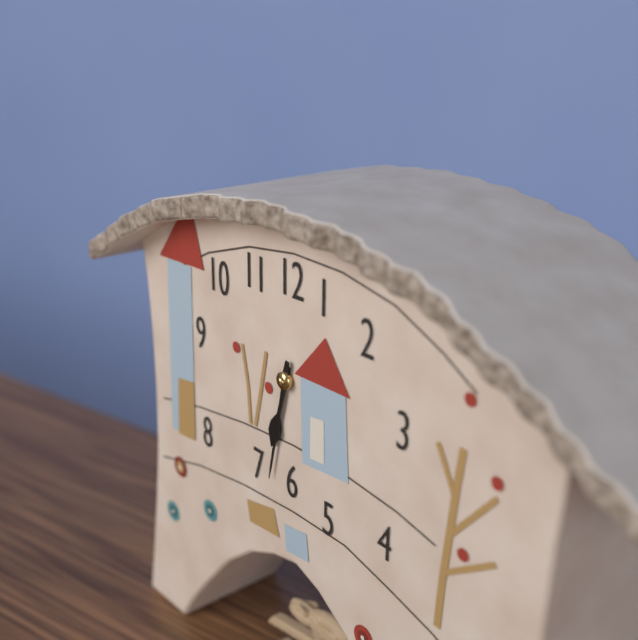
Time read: 6h32
